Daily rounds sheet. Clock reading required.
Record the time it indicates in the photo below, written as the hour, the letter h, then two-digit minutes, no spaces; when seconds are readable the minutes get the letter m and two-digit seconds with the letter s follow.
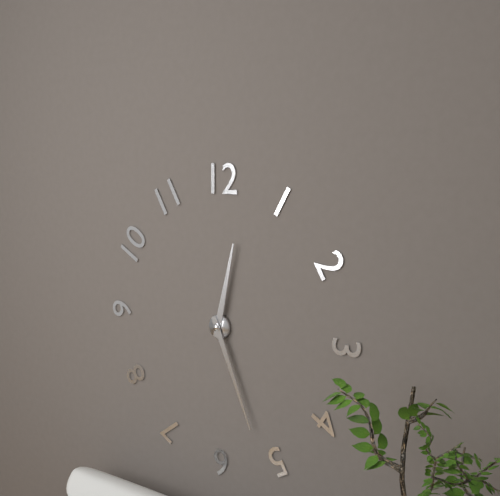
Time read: 12h26
